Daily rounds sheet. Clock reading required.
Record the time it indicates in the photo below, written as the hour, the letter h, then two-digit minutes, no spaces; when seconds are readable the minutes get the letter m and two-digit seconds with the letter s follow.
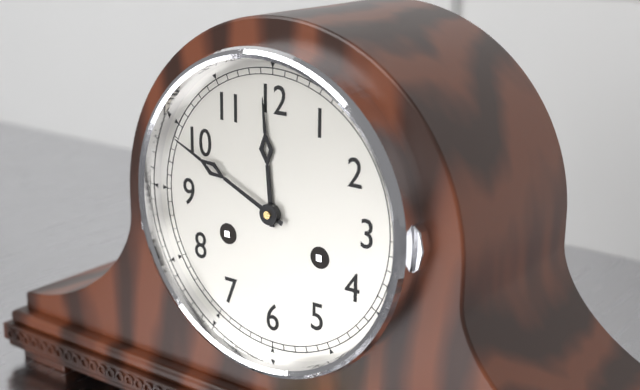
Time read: 11h49
